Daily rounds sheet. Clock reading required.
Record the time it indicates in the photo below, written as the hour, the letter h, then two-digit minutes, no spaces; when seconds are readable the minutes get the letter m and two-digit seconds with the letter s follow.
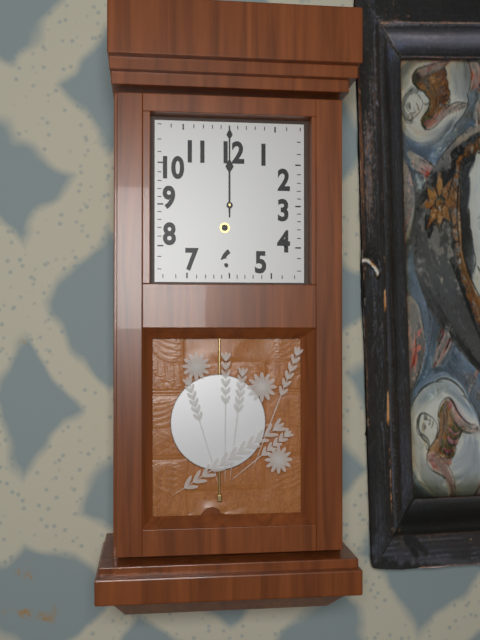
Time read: 12h00
